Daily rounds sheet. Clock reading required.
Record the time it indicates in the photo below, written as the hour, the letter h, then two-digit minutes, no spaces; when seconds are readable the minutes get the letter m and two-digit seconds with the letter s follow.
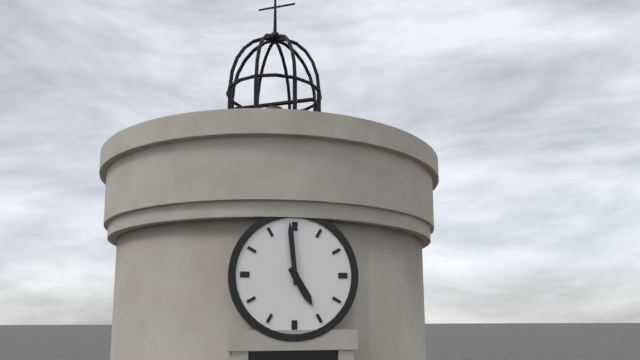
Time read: 4h59
